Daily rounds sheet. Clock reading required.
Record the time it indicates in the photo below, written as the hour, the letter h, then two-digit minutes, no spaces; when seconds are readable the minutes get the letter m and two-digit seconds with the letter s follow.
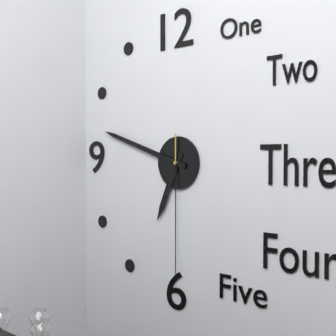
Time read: 6h48m30s
